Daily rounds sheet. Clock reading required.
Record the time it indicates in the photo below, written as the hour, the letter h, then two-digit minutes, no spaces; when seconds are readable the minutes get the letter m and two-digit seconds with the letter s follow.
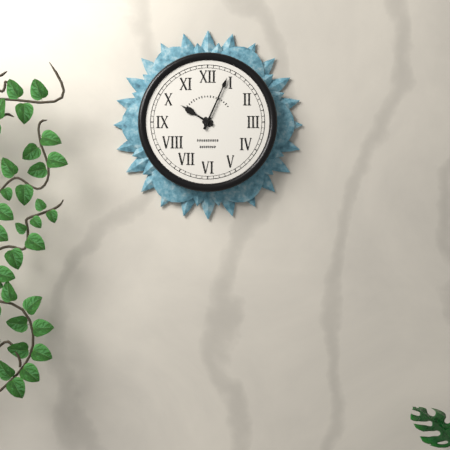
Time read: 10h04
